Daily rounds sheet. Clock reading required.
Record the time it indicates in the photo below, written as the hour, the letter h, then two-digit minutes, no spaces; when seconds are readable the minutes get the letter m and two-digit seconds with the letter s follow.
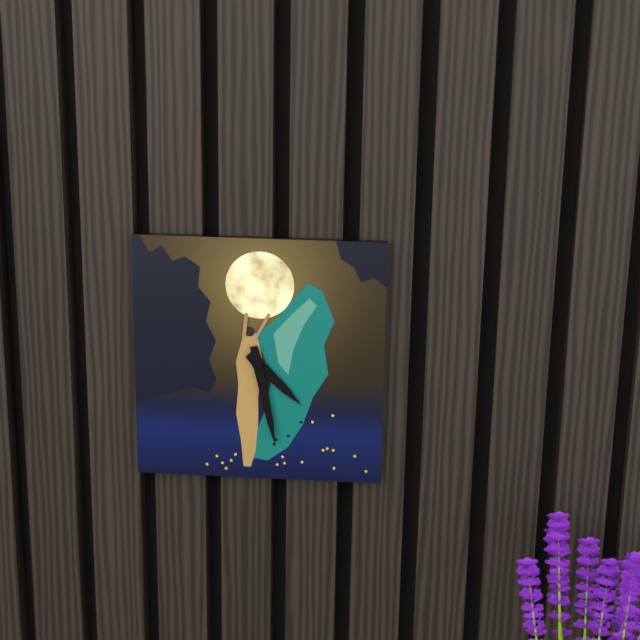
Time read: 4h28
